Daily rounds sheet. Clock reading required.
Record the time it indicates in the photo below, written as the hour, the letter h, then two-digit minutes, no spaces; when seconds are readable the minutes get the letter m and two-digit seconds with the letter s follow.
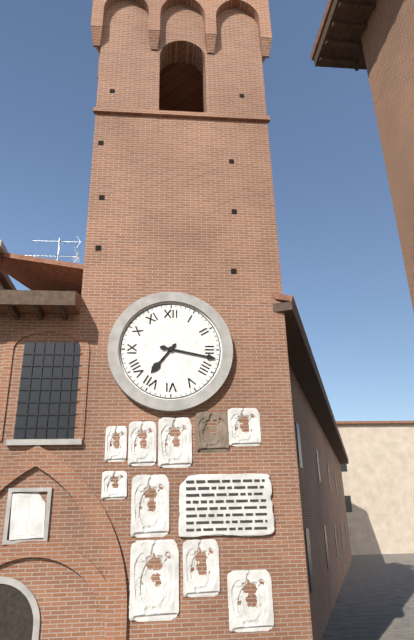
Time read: 7h17
